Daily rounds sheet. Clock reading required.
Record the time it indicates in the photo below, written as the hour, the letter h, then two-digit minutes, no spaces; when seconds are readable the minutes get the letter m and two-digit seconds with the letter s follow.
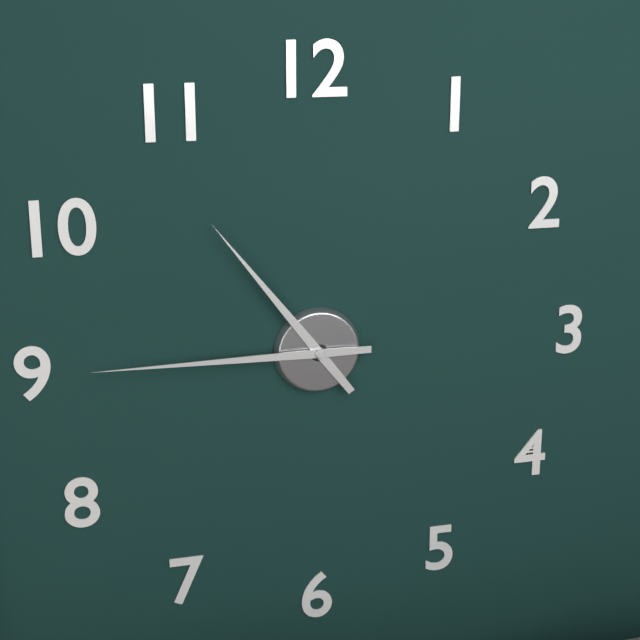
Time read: 10h45
